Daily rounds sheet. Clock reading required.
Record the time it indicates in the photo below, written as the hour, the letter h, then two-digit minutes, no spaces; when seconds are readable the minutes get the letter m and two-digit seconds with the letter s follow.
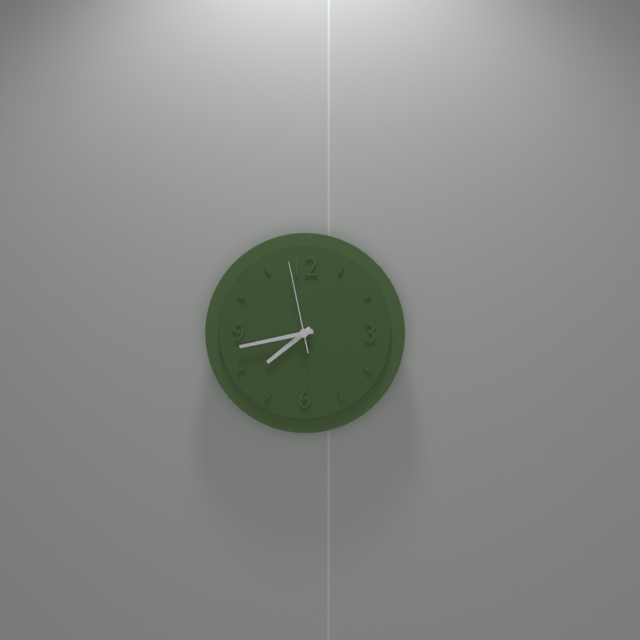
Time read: 7h43m58s
